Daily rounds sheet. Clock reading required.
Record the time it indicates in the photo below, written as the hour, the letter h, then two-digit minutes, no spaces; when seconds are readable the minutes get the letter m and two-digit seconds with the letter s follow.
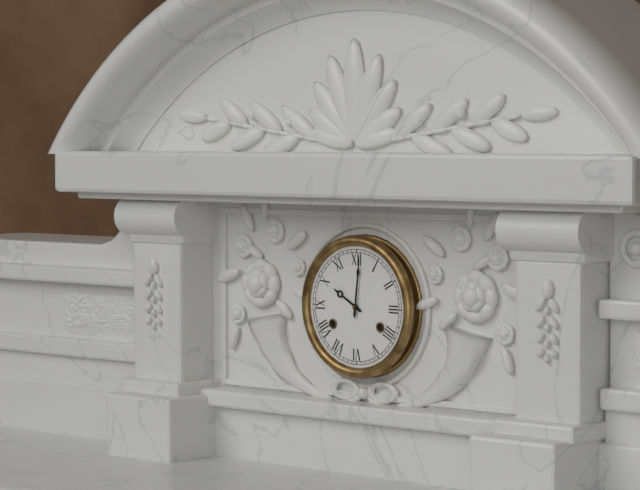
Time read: 10h01
